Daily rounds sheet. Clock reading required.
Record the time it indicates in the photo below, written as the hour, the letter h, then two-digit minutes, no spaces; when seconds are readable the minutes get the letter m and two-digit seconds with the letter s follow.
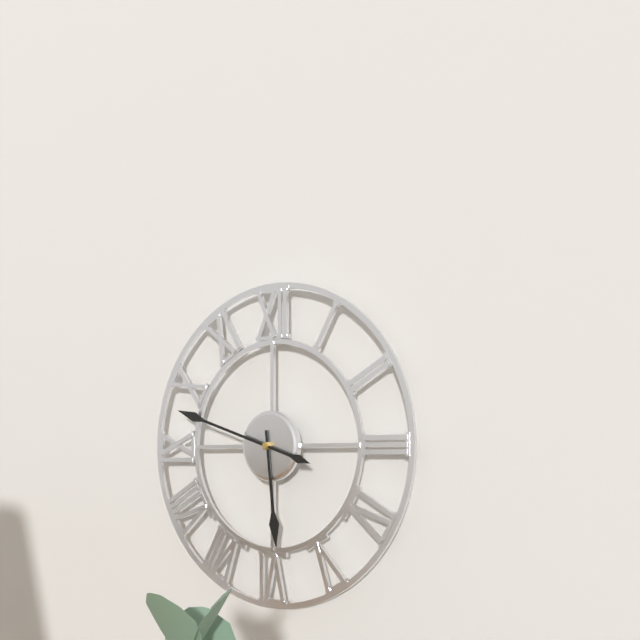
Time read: 5h48
